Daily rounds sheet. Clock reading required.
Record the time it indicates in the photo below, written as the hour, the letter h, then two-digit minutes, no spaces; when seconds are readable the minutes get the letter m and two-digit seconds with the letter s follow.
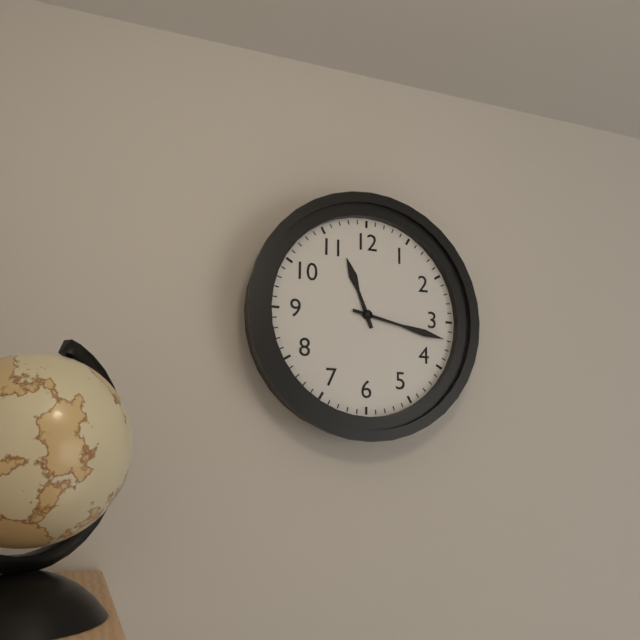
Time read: 11h17
